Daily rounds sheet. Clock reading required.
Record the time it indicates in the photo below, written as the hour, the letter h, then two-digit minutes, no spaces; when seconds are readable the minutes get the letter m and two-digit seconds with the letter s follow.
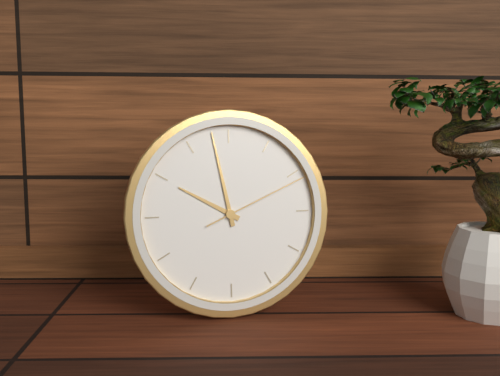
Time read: 9h58m11s
